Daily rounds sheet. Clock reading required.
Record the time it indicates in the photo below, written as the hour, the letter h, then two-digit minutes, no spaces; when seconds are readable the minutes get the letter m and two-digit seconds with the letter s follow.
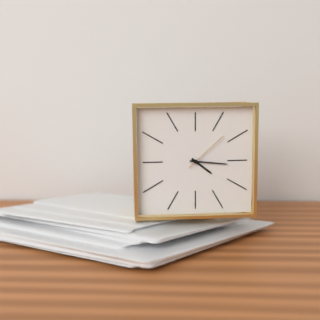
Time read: 4h16
